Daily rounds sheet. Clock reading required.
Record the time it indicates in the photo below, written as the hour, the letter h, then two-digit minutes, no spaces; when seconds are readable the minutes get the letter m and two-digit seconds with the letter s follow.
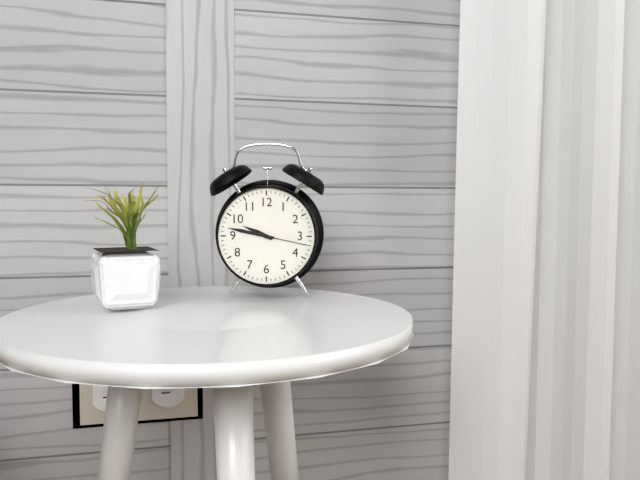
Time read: 9h47m17s
